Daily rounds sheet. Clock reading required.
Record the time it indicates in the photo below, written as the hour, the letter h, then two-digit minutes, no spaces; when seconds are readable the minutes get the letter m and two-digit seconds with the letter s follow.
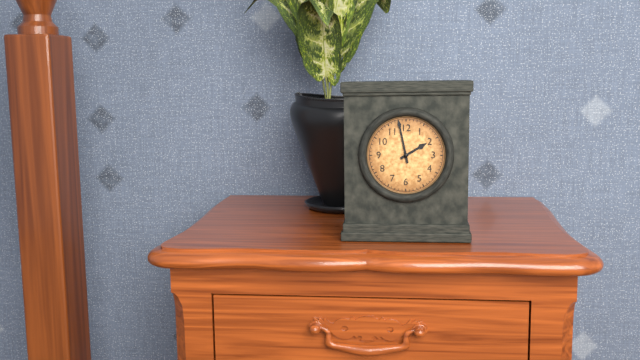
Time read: 1h58
